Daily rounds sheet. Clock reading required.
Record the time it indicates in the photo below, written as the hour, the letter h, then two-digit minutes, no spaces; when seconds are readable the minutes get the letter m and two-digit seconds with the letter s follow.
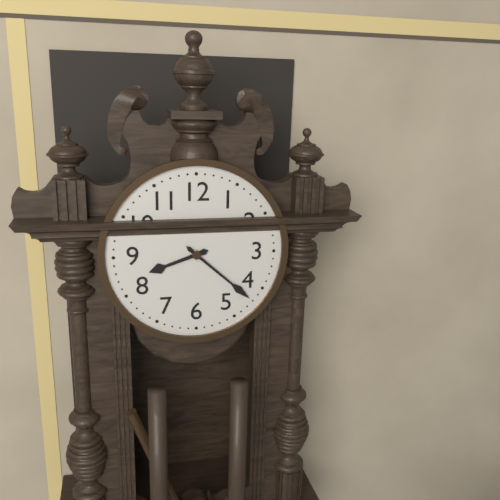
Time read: 8h22
